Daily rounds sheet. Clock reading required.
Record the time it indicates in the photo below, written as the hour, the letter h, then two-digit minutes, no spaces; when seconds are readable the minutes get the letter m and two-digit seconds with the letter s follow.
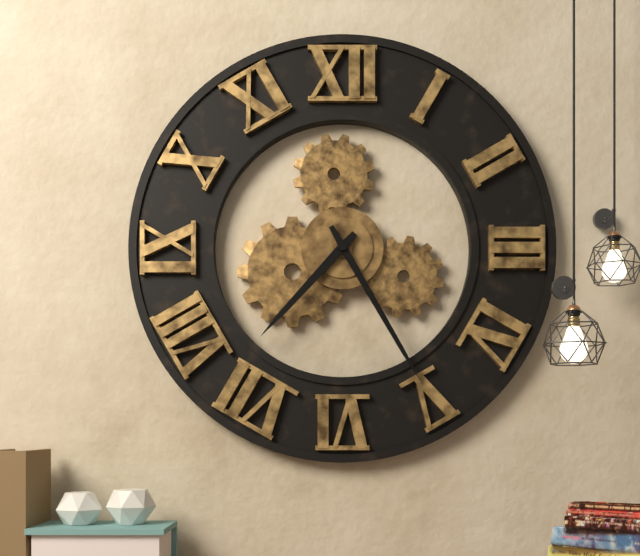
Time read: 7h25
